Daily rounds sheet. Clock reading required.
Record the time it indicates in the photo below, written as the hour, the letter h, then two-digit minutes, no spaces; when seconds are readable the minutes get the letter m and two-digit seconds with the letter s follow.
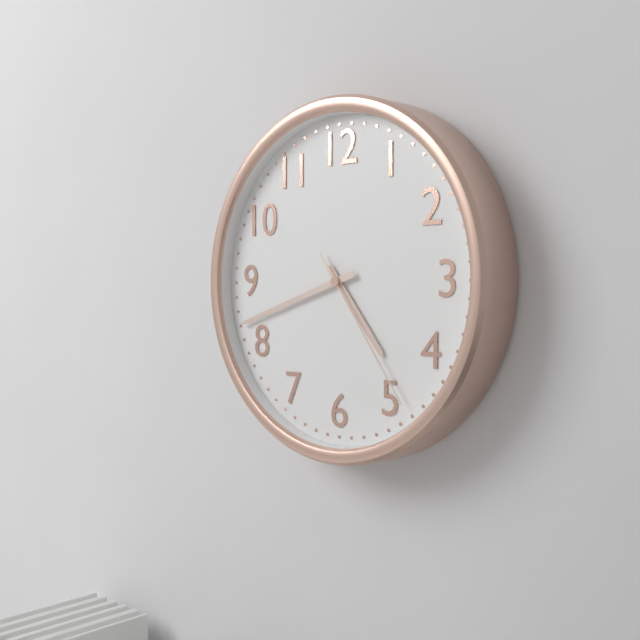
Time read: 4h42m24s
